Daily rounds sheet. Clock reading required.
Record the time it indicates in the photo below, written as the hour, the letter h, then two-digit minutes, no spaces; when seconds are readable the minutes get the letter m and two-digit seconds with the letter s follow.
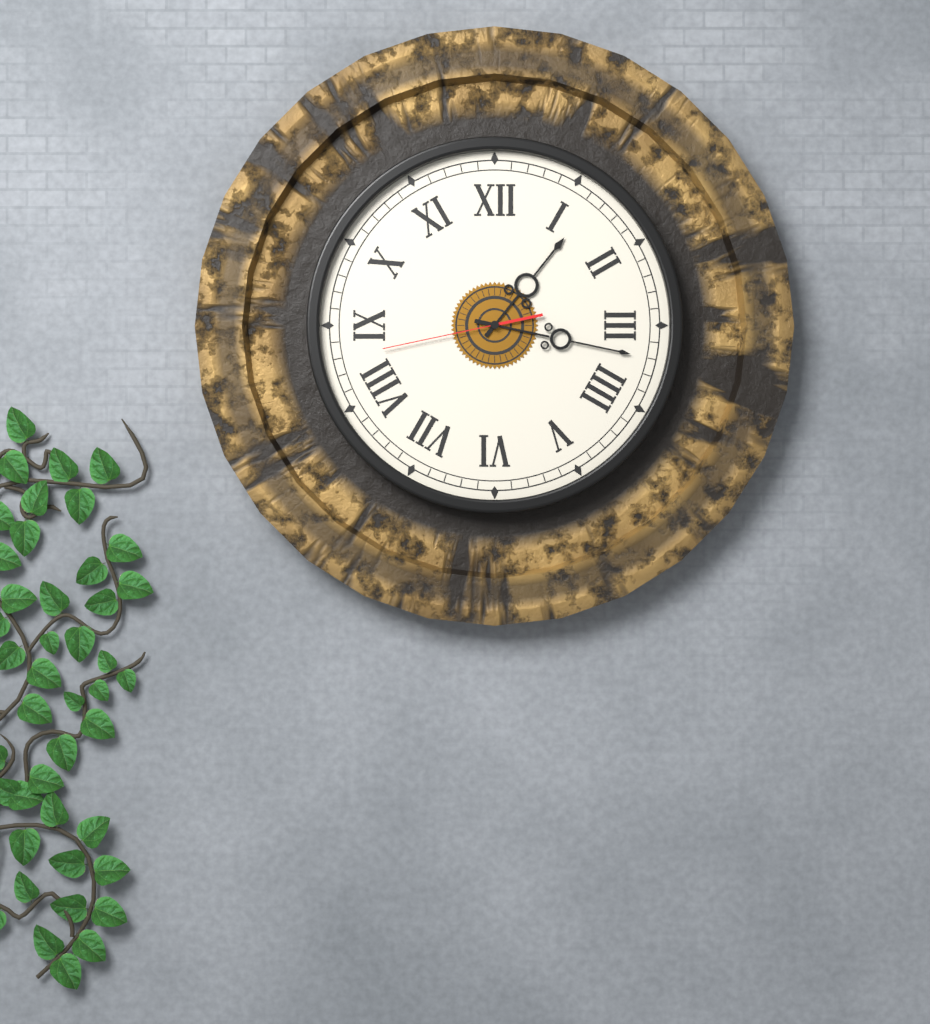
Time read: 1h17m43s
